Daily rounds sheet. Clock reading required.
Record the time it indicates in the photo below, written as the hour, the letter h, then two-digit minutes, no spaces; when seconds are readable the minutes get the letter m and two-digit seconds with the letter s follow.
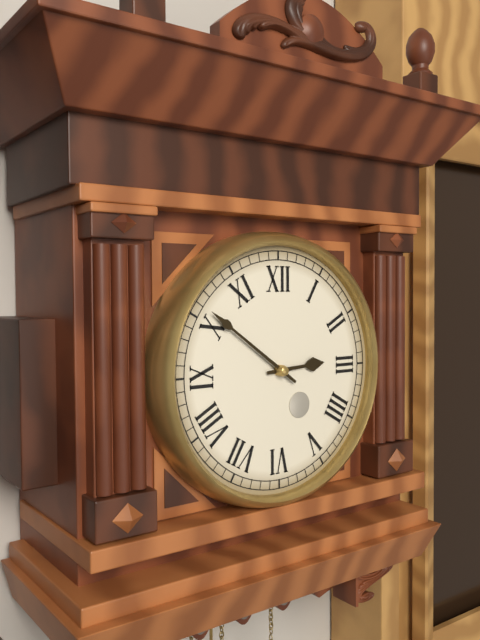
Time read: 2h51
